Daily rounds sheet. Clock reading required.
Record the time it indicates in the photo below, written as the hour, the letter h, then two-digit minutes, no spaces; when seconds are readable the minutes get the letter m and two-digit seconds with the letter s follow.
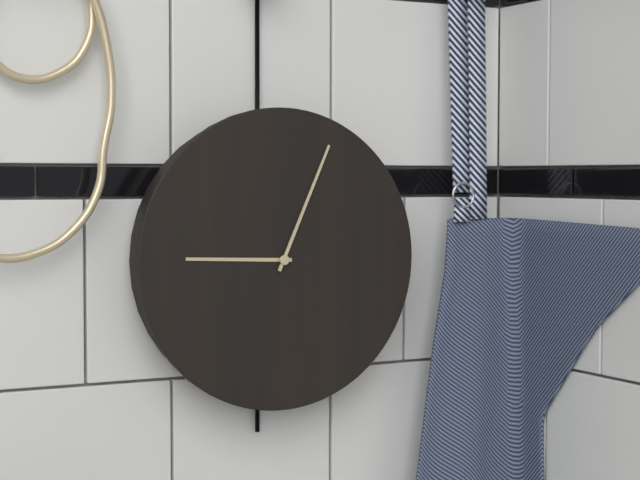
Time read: 9h04
